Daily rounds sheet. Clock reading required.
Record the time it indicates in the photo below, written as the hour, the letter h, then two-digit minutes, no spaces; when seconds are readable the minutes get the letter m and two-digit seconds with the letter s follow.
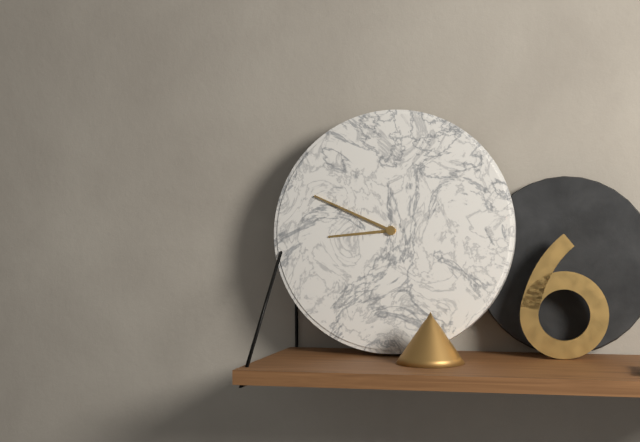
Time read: 8h49
